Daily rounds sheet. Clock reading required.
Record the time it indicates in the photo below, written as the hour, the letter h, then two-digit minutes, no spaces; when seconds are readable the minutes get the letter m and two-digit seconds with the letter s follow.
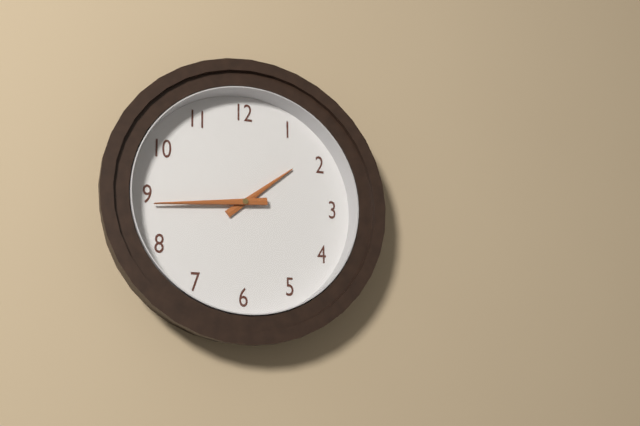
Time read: 1h44
